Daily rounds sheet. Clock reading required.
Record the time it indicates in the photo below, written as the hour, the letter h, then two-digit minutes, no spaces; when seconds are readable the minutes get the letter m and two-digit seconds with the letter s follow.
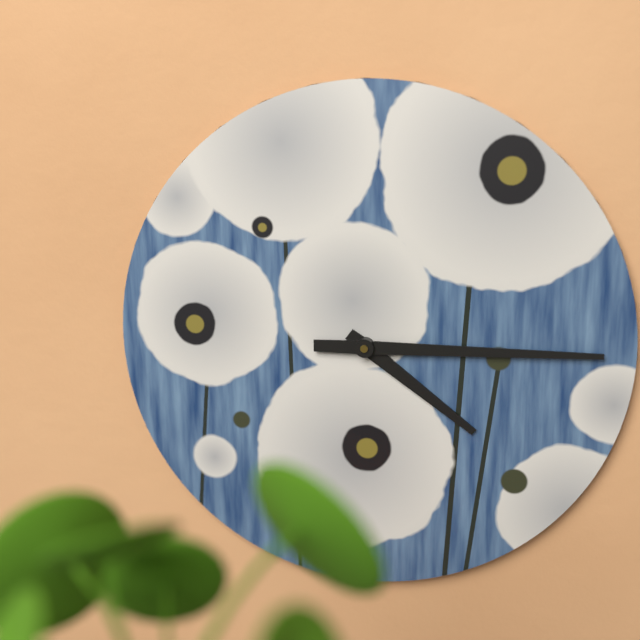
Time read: 4h15
